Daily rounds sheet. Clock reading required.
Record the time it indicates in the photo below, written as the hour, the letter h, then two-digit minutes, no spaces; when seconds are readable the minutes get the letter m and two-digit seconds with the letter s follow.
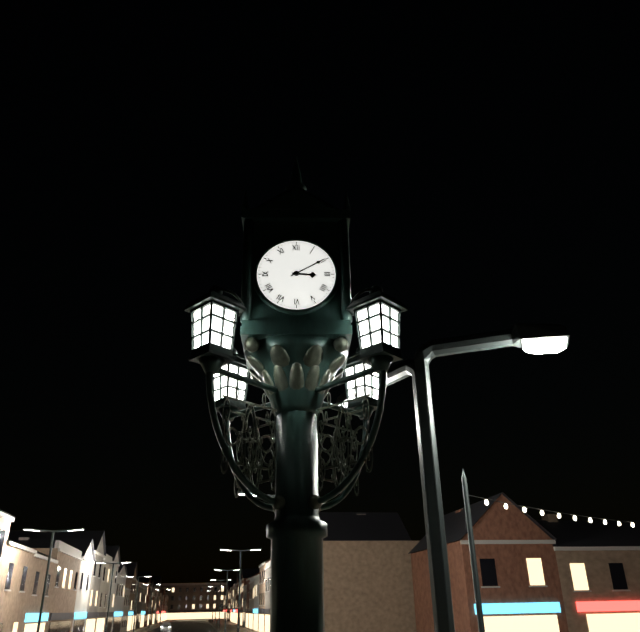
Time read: 3h10
